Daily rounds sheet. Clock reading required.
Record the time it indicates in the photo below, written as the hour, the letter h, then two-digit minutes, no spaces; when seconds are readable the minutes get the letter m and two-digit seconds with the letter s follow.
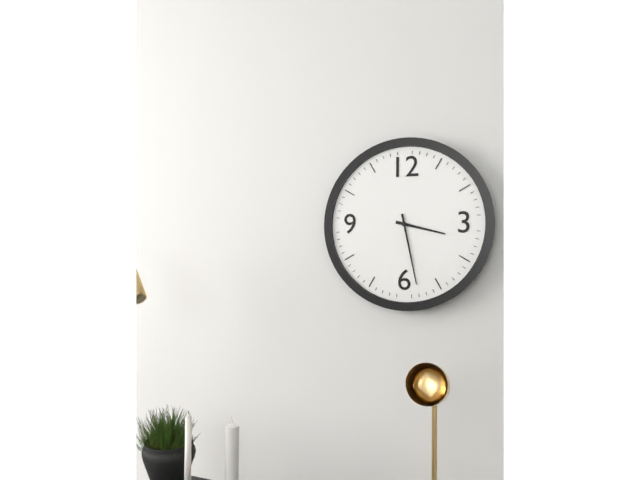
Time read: 3h28
